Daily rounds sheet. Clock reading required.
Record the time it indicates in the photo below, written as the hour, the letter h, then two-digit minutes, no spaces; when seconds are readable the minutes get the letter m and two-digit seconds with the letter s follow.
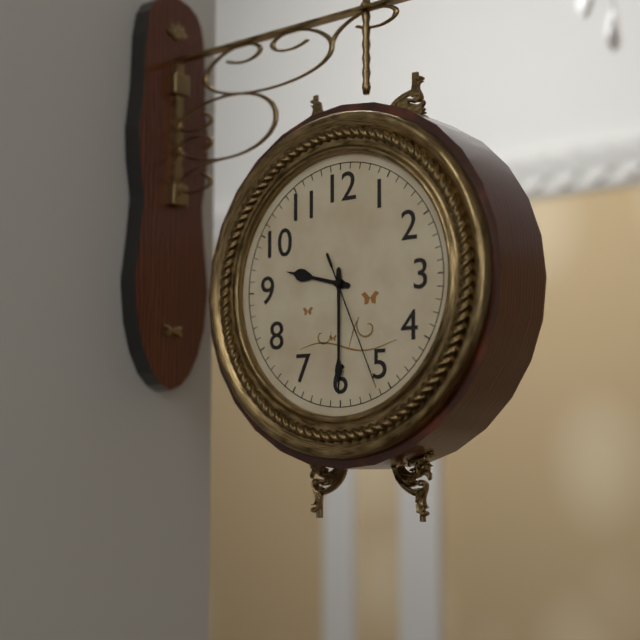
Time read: 9h30m26s
